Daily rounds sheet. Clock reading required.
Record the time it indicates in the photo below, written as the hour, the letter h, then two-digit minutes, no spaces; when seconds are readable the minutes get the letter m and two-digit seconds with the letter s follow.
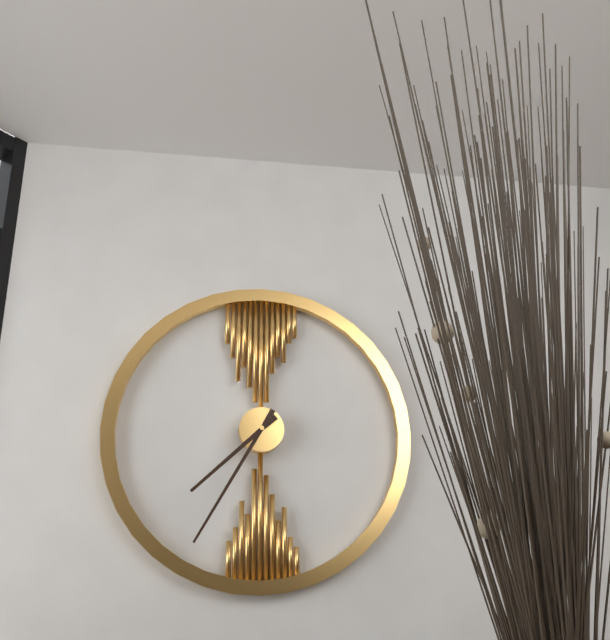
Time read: 7h35
